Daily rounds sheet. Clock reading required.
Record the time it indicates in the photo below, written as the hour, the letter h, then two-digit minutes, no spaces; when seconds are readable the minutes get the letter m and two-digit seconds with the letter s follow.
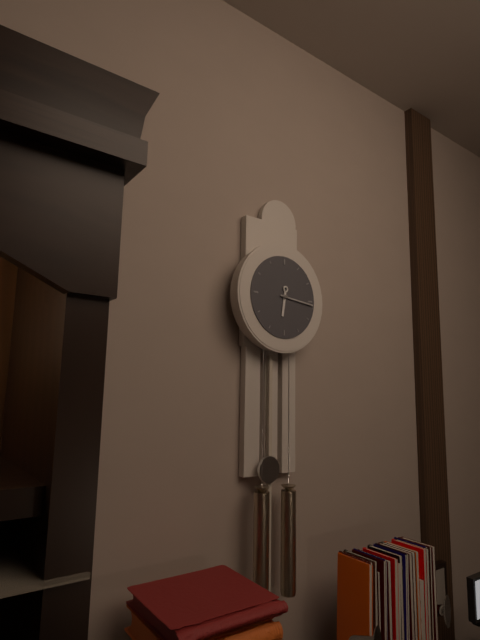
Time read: 6h16
